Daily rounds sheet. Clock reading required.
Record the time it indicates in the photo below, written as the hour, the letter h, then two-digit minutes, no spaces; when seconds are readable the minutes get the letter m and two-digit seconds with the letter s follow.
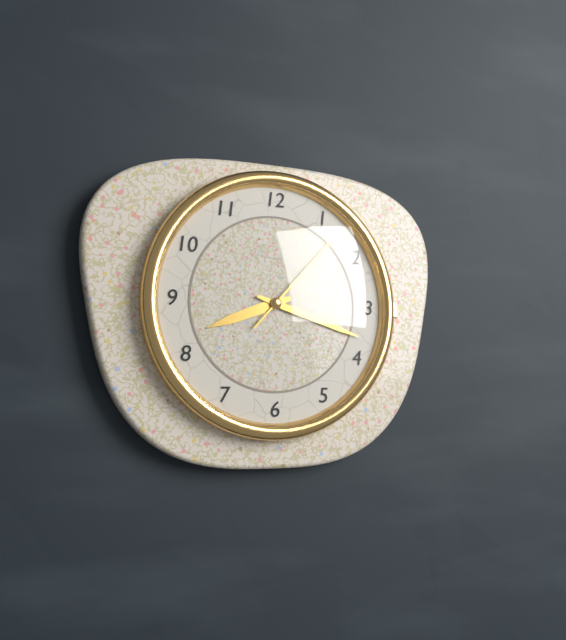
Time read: 8h18m07s
